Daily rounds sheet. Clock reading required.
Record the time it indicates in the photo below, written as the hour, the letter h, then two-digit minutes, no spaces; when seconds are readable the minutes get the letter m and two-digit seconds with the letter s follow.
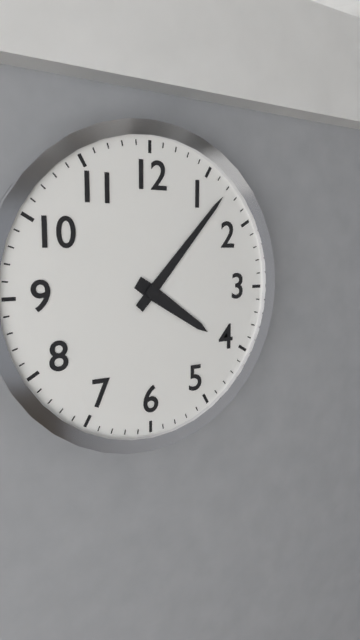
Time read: 4h07
